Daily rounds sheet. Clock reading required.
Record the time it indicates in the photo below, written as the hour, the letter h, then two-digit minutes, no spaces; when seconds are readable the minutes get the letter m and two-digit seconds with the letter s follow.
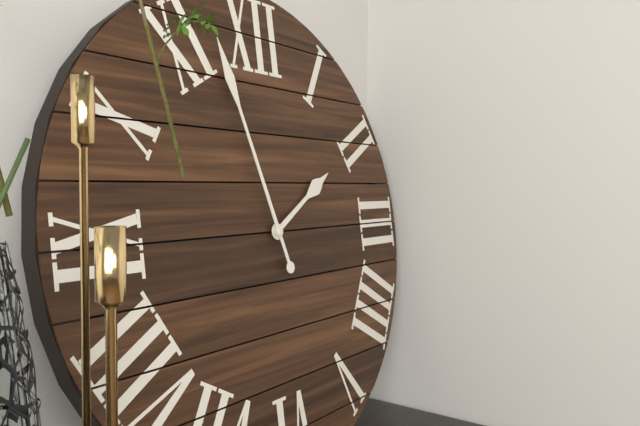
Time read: 1h57
